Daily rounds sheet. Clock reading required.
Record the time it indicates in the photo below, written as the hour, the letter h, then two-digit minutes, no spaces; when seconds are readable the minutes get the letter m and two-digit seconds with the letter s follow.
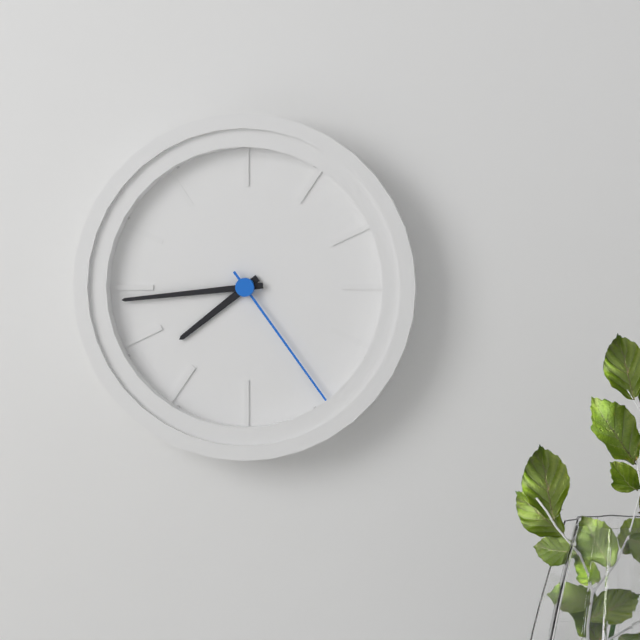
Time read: 7h44m24s
